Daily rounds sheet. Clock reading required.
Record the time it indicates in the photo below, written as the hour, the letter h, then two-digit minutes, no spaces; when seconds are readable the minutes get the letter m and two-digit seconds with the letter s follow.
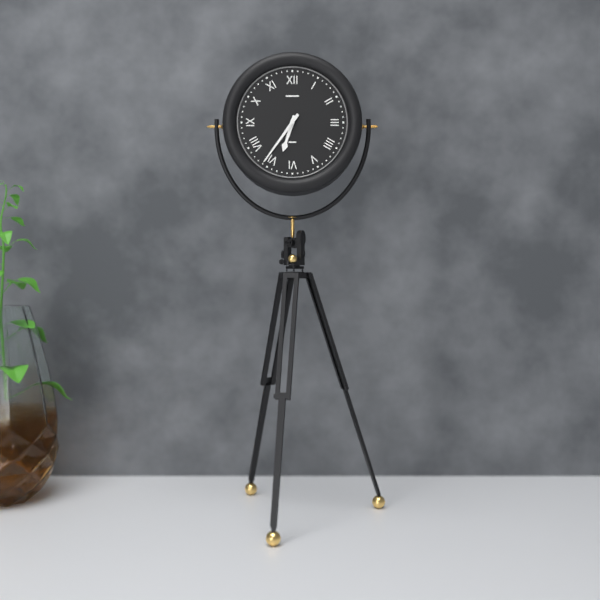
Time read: 6h36
